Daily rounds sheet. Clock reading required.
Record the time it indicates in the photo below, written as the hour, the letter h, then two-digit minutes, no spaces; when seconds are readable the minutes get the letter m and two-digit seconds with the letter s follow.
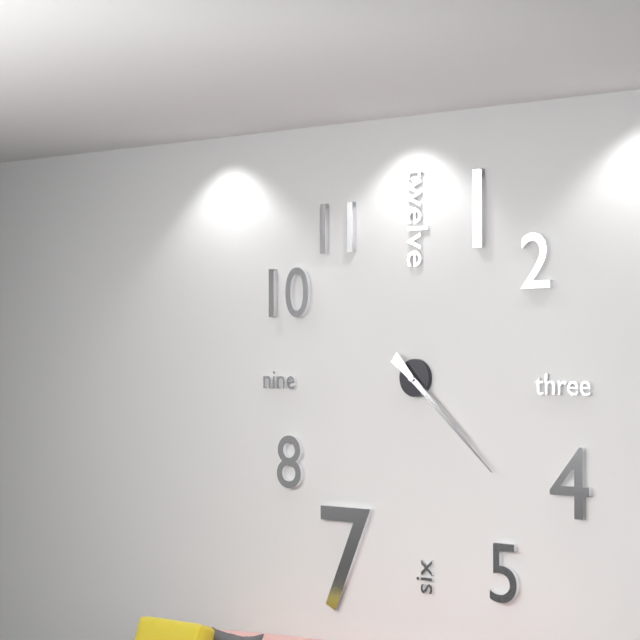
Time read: 4h22
